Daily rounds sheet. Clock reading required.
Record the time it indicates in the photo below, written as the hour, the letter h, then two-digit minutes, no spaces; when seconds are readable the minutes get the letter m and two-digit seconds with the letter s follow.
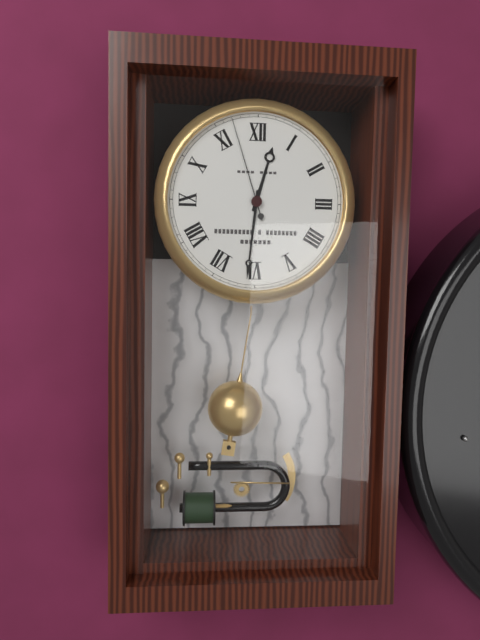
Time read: 12h31m57s
